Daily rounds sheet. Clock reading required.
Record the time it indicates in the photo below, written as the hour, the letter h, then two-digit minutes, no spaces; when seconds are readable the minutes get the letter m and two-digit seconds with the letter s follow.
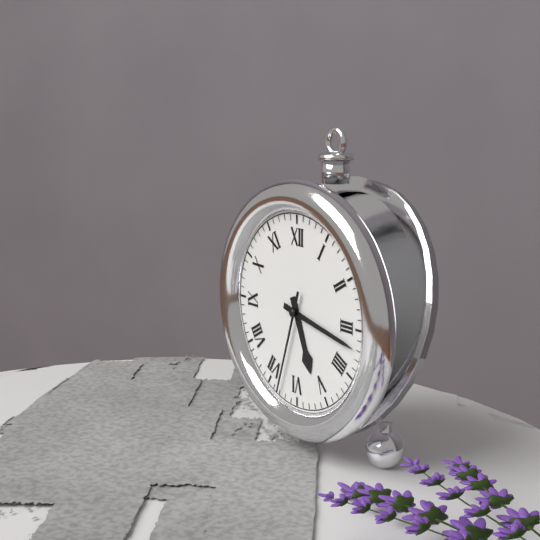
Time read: 5h17m33s
